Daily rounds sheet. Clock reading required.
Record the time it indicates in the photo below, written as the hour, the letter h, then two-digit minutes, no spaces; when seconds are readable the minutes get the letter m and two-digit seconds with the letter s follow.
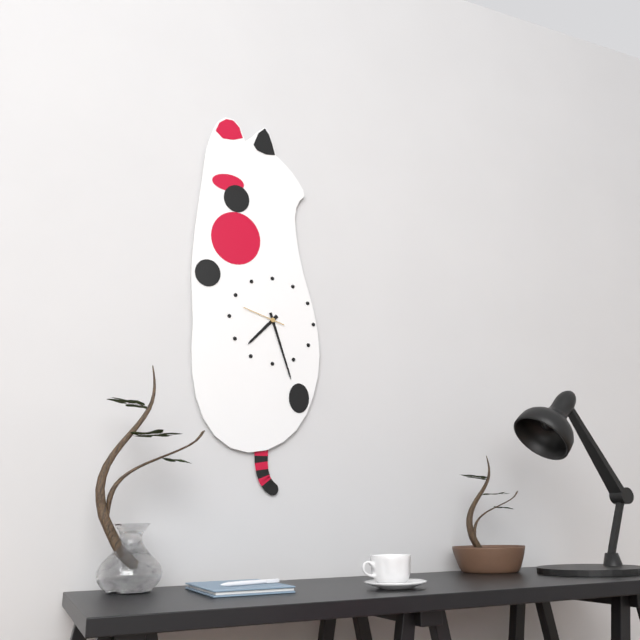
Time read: 7h27
